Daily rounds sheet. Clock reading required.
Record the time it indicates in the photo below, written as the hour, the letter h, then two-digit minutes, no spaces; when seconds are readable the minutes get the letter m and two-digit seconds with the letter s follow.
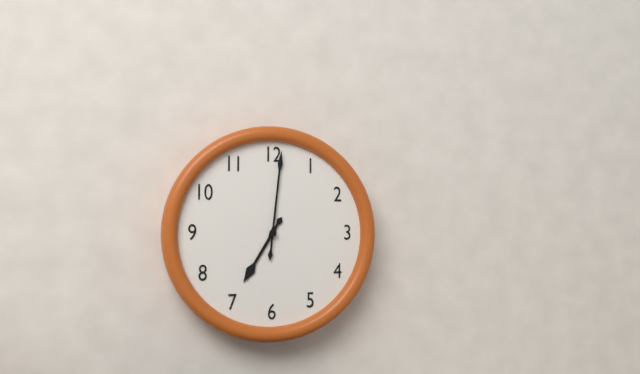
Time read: 7h01
